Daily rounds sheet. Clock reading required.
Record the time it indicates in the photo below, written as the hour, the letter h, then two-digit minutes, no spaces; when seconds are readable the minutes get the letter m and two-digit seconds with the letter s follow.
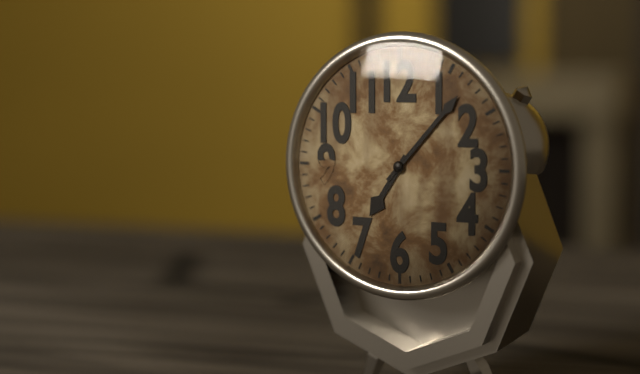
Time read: 7h07
